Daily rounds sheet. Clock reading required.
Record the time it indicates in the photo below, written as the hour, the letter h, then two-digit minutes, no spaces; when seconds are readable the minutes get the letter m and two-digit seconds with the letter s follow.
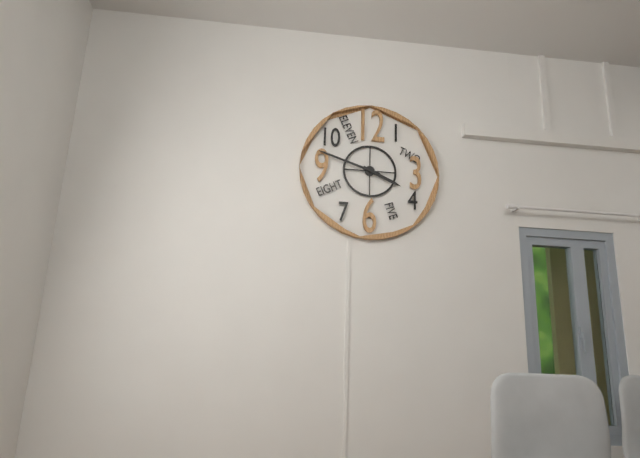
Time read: 3h48
